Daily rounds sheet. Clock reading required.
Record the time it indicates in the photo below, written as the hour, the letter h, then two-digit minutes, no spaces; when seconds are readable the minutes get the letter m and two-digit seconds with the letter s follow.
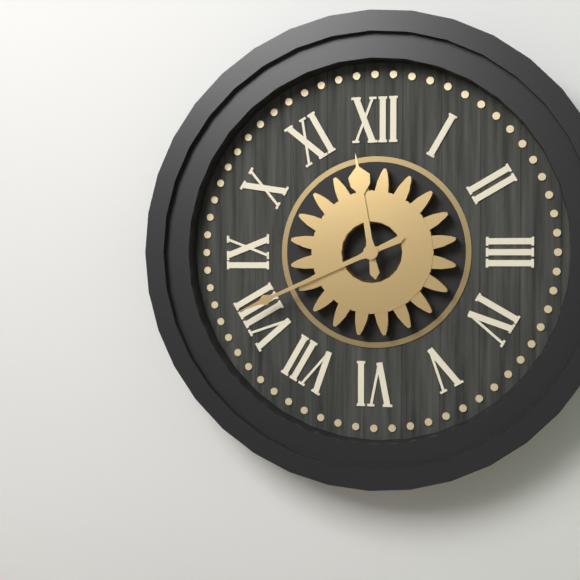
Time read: 11h41
